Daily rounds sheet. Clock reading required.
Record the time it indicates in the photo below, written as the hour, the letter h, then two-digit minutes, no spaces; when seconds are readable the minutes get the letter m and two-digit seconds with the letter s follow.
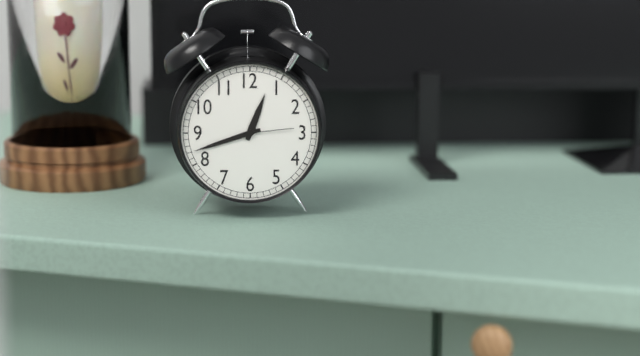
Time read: 12h42m14s
